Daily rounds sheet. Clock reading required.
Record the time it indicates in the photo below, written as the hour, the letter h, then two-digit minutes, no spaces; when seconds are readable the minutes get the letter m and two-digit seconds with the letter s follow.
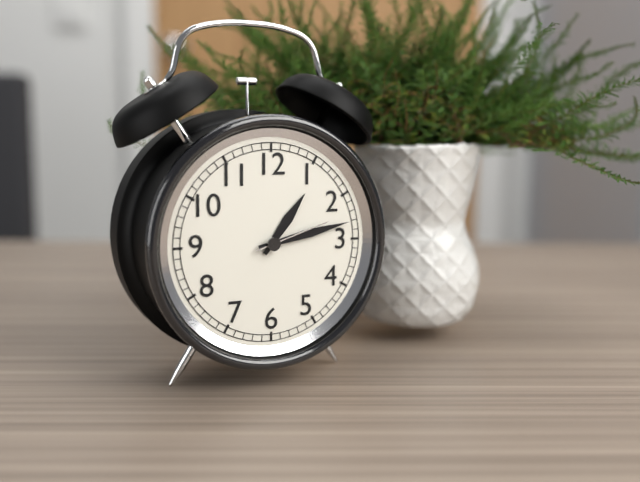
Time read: 1h13m12s
